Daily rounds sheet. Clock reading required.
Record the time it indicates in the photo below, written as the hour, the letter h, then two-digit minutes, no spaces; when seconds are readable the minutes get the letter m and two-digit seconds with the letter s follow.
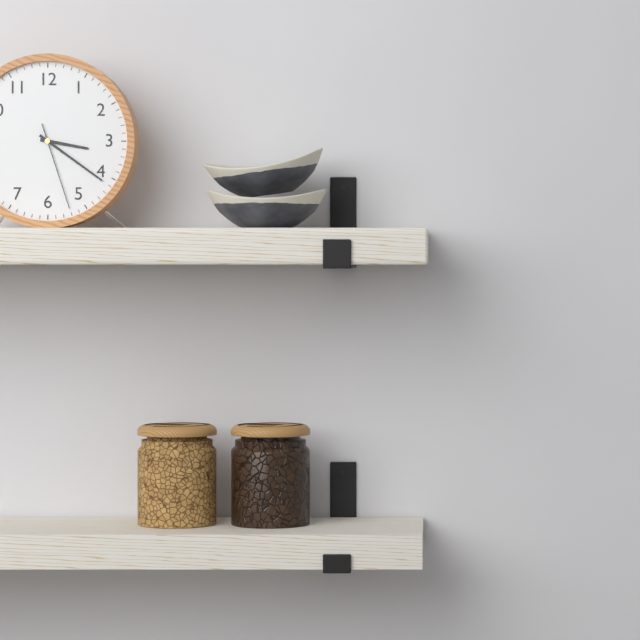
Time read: 3h21m27s
